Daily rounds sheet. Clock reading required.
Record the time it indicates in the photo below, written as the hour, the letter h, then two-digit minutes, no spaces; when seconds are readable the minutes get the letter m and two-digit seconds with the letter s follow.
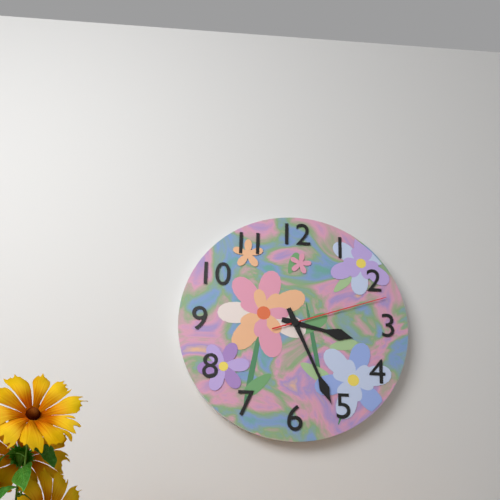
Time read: 3h26m12s
